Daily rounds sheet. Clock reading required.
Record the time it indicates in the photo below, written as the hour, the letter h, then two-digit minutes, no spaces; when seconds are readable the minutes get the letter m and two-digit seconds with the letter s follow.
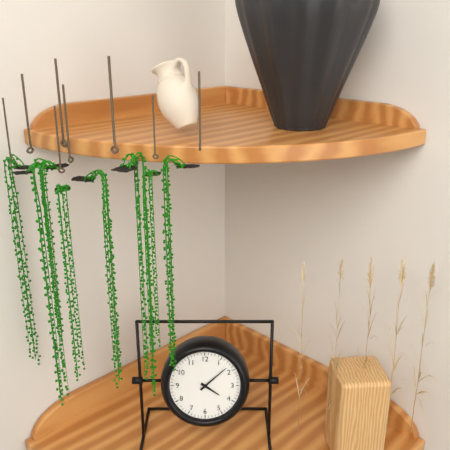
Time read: 4h08
